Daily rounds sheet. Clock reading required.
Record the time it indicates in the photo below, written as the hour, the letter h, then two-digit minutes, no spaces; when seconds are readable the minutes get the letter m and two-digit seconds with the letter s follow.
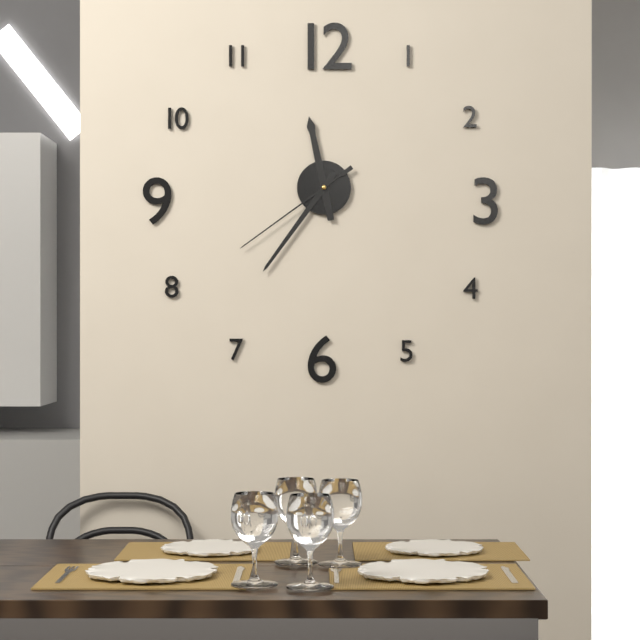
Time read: 11h36m39s
